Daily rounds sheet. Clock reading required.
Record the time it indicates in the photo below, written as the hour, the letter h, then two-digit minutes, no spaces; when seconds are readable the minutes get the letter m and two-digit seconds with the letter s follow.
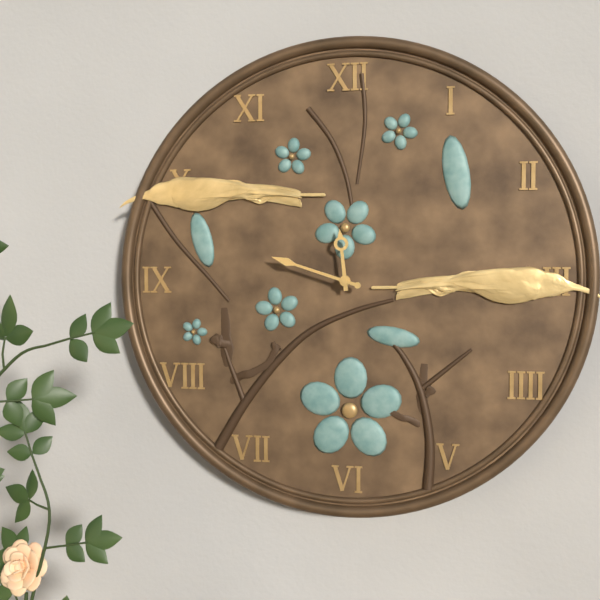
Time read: 11h48
